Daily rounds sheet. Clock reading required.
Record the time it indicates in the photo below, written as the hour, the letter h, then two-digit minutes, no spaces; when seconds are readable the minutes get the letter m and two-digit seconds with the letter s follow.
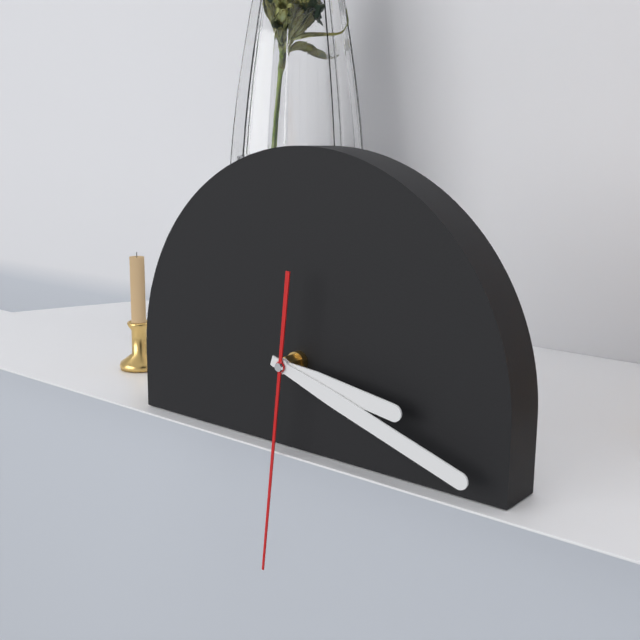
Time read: 3h18m31s
